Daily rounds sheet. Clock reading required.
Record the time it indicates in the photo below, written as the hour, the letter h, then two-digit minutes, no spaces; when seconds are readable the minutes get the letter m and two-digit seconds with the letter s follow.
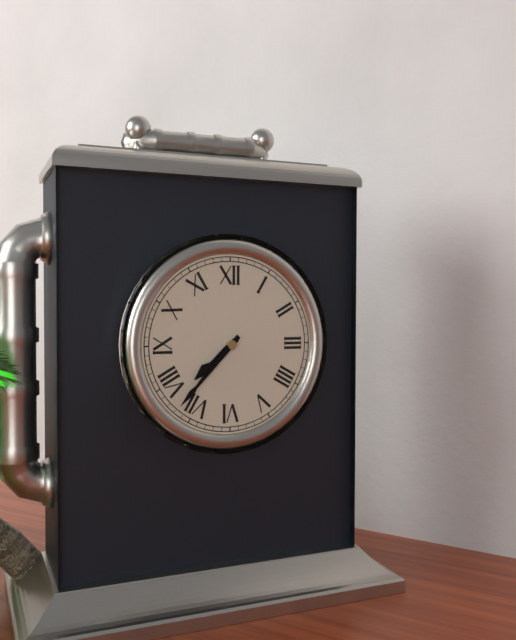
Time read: 7h37
